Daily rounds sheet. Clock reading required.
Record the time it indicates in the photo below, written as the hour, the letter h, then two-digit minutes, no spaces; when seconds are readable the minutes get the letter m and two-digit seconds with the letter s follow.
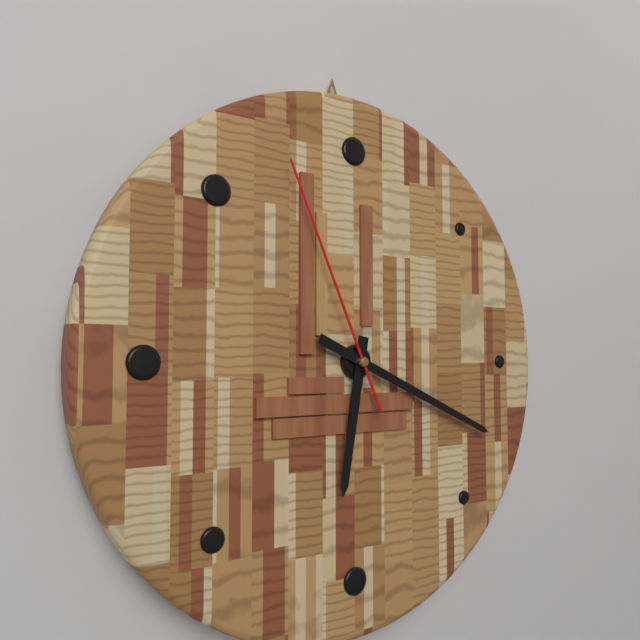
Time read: 6h19m56s
